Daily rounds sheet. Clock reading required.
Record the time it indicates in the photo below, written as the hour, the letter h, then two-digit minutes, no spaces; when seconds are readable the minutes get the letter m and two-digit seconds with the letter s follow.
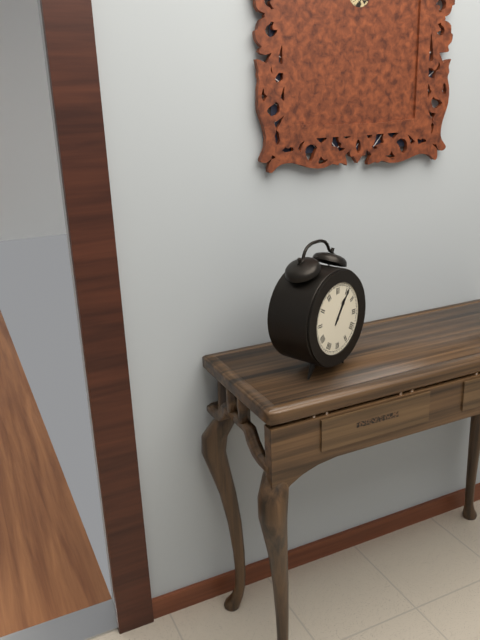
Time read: 1h06
